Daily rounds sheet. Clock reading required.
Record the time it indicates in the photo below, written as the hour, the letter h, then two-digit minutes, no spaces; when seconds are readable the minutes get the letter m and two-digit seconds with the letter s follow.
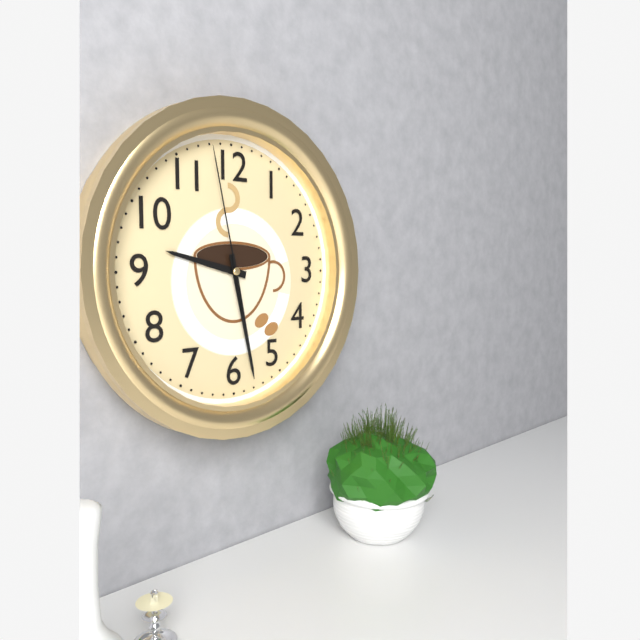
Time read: 9h28m58s
